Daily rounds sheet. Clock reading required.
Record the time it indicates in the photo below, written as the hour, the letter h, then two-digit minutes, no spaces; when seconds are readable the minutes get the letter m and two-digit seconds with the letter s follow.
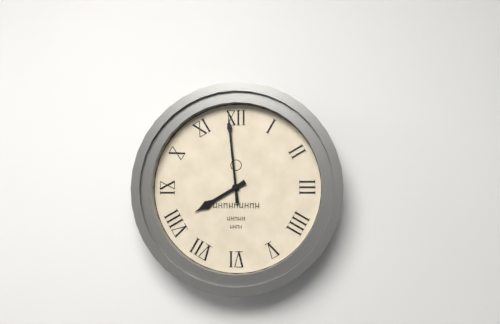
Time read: 7h59
